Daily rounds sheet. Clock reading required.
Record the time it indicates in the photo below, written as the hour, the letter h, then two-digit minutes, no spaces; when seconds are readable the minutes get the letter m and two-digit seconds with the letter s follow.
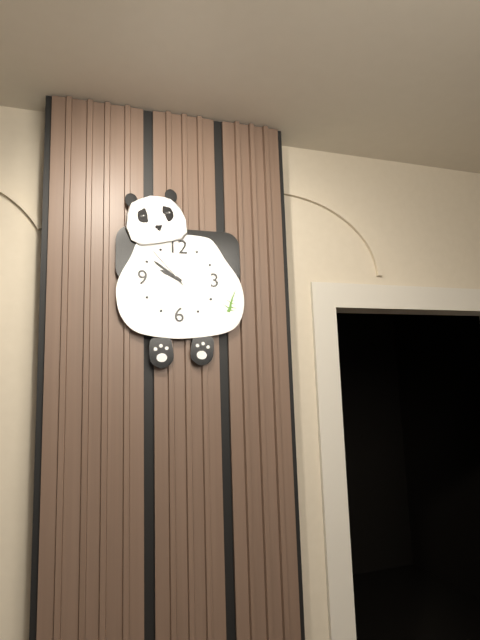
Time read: 9h51
